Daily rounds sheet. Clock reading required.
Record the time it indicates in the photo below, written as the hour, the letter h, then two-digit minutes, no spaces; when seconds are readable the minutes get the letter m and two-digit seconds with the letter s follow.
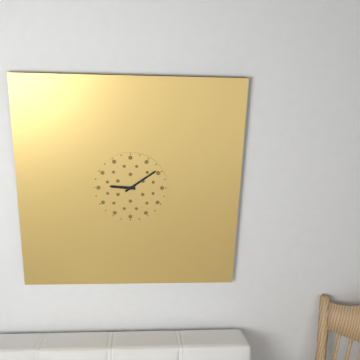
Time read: 9h09
